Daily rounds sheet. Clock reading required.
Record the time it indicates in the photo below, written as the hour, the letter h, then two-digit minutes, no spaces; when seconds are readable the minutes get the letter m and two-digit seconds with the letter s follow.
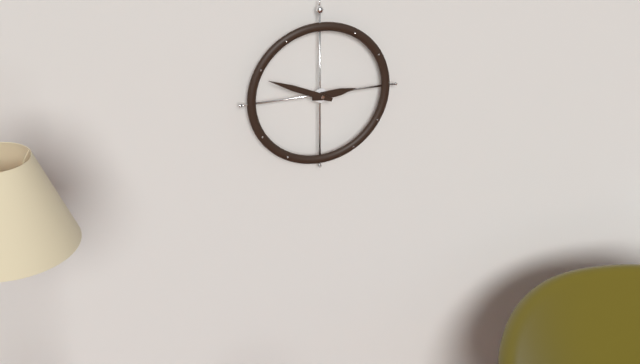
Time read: 2h49
